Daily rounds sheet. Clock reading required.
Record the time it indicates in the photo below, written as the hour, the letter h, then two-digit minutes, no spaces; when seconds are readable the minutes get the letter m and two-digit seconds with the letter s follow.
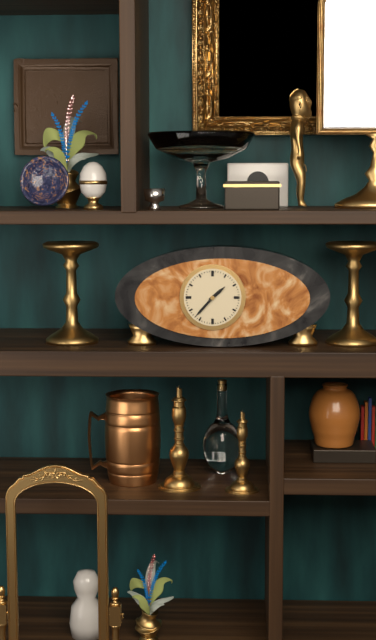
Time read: 1h37
